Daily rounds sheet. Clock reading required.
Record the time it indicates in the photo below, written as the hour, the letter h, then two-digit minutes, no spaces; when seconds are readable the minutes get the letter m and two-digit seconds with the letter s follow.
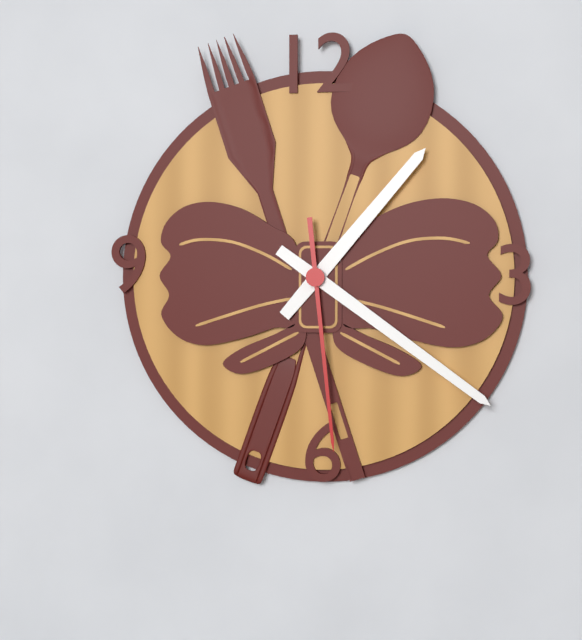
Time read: 1h21m29s
